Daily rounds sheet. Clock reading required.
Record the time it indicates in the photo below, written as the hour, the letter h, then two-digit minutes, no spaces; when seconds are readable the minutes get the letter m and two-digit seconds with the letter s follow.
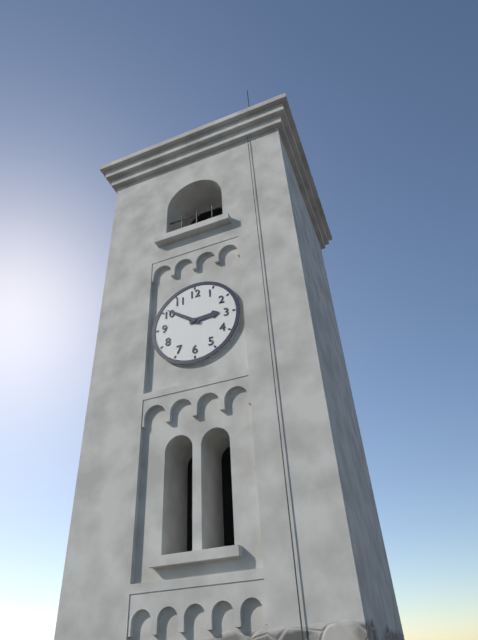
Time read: 2h51
